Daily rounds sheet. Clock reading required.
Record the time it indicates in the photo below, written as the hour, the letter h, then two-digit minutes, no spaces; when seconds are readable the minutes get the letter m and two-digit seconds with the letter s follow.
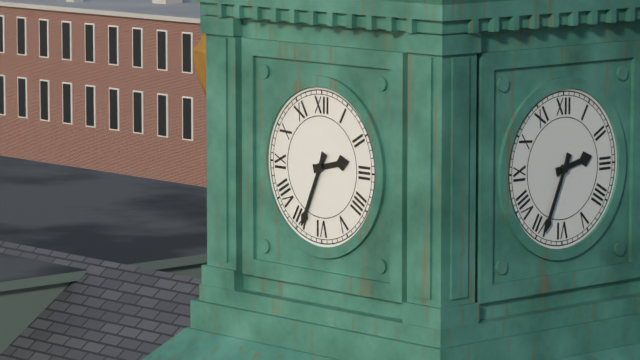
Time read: 2h34
